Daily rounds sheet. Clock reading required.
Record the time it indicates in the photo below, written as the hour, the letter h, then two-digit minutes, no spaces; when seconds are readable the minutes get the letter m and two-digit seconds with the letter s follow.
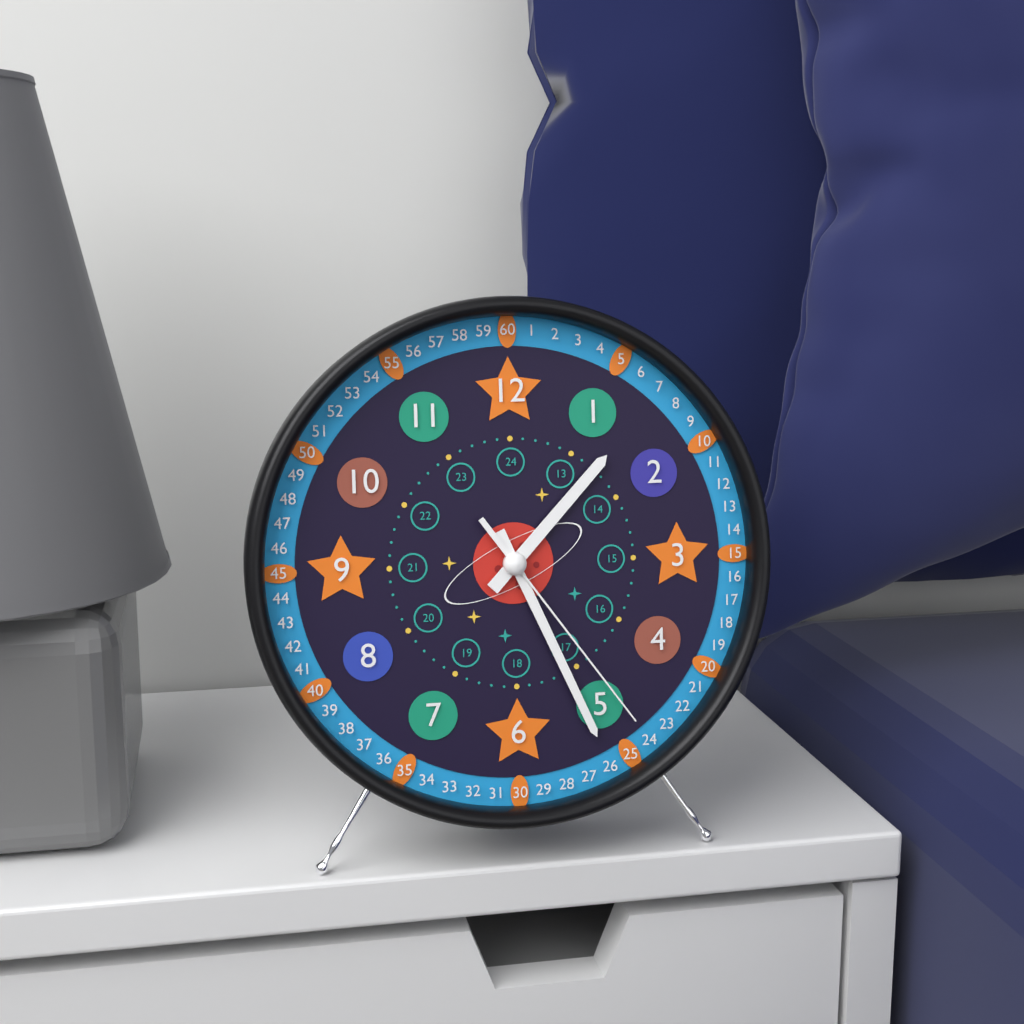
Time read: 1h26m24s
